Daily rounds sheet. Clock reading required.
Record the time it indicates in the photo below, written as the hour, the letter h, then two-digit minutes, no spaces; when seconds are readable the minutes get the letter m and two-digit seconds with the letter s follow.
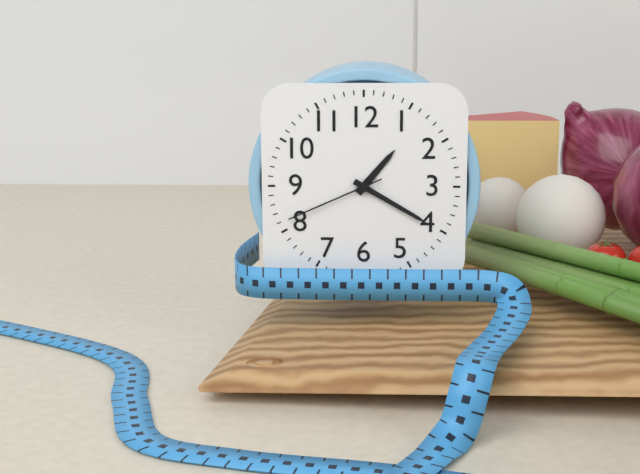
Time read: 1h20m41s
